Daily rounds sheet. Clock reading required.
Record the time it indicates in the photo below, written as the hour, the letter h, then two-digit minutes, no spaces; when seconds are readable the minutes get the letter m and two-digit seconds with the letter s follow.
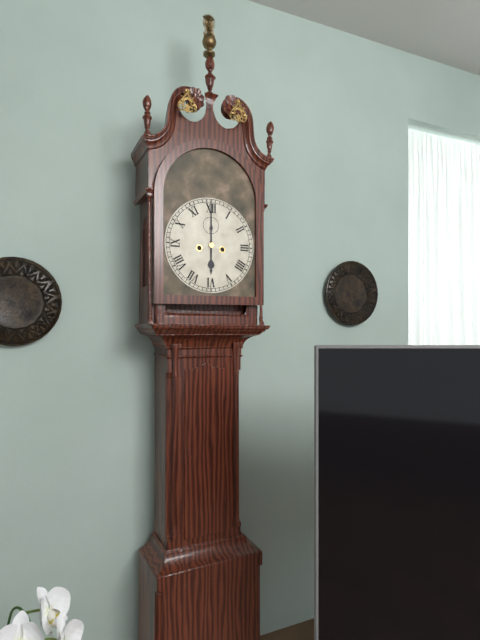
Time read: 6h00
